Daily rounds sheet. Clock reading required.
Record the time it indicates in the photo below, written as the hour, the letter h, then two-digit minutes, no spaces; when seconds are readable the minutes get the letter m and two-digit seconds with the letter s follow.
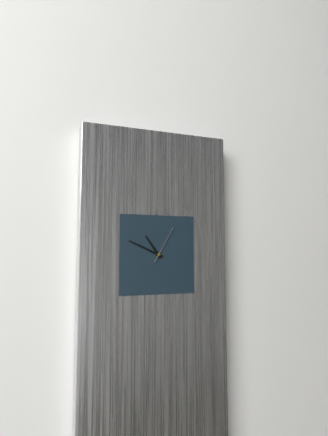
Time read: 10h49
